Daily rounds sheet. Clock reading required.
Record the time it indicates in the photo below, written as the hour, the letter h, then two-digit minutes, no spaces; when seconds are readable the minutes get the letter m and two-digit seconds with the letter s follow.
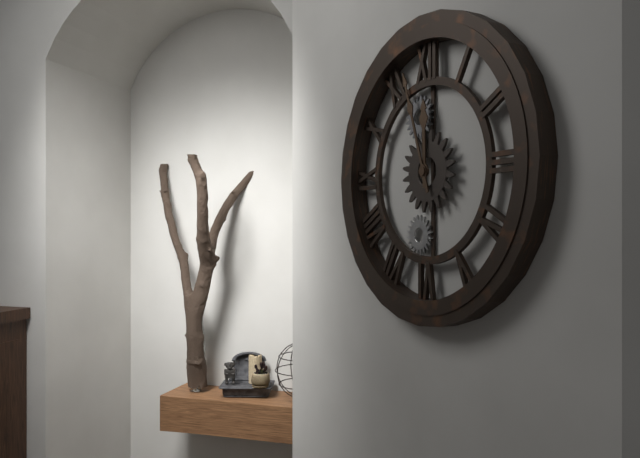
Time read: 11h57
